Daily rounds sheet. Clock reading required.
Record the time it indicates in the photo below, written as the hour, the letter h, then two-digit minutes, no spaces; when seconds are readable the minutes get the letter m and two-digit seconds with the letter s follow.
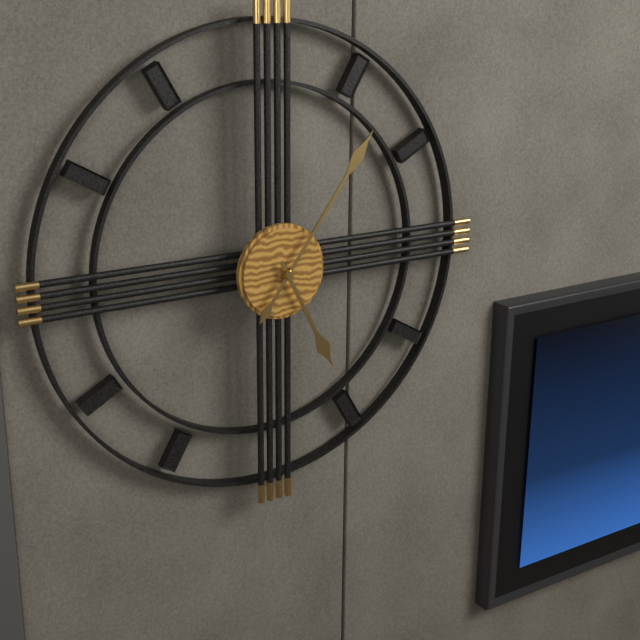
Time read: 5h06
